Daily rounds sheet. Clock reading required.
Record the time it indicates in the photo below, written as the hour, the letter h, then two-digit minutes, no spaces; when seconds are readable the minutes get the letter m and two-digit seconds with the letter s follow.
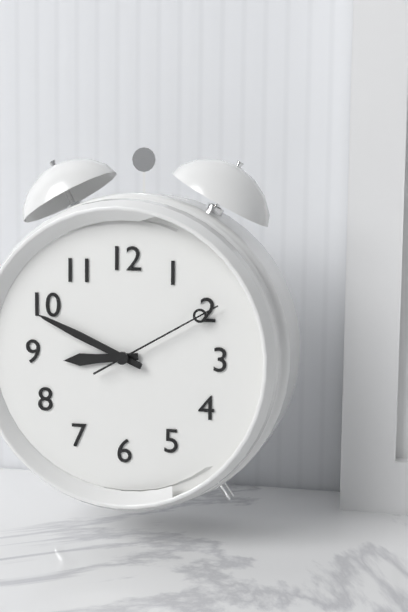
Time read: 8h49m10s
